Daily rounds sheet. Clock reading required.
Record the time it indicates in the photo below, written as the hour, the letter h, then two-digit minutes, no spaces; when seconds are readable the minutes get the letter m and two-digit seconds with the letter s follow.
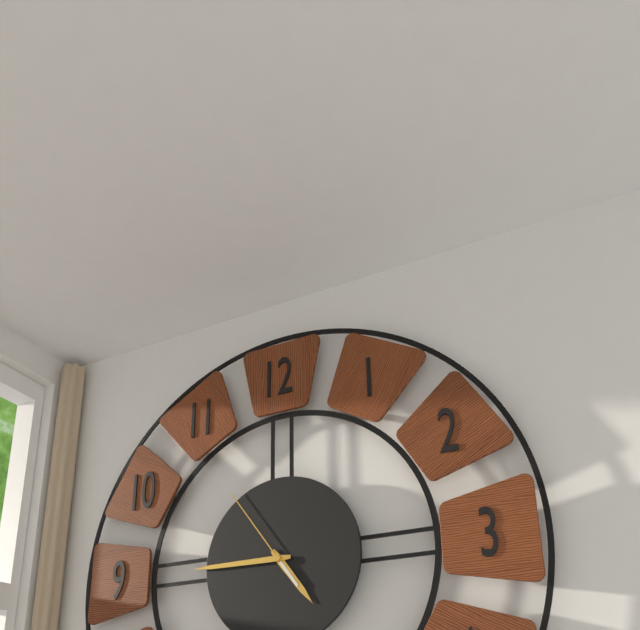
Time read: 4h45m54s
